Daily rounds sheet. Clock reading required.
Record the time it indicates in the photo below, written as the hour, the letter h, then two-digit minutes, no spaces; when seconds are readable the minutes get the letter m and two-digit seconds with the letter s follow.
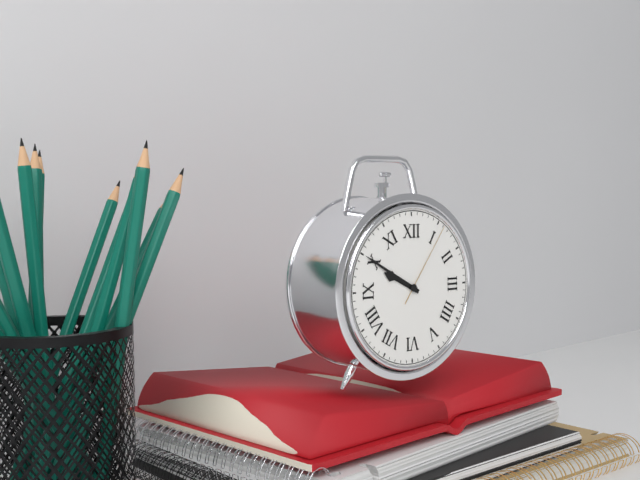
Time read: 9h50m06s
